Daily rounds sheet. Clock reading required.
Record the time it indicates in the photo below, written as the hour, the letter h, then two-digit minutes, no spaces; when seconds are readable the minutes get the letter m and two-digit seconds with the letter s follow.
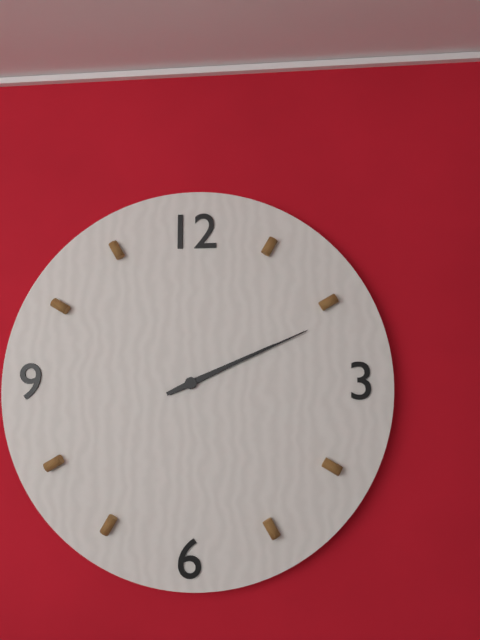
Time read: 2h11
